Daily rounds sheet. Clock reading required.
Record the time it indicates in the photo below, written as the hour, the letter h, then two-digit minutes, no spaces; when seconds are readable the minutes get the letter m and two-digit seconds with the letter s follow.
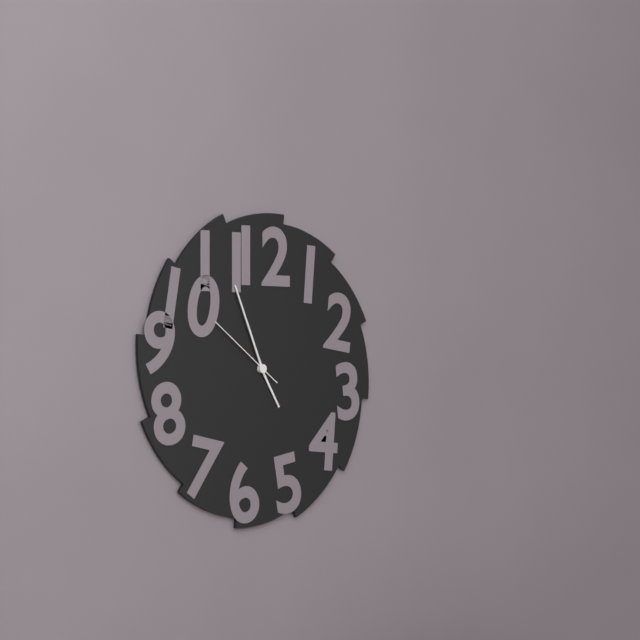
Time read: 4h56m51s
